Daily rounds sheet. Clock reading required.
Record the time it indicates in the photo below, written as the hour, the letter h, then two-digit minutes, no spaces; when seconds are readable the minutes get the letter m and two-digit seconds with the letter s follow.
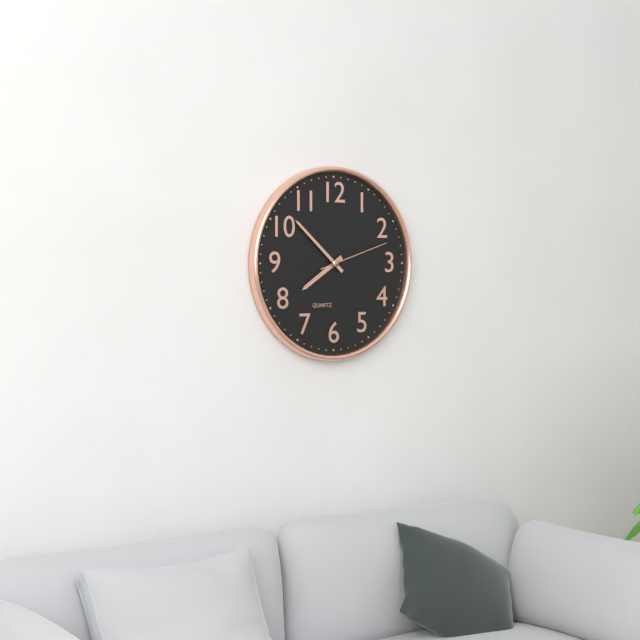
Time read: 7h52m12s
